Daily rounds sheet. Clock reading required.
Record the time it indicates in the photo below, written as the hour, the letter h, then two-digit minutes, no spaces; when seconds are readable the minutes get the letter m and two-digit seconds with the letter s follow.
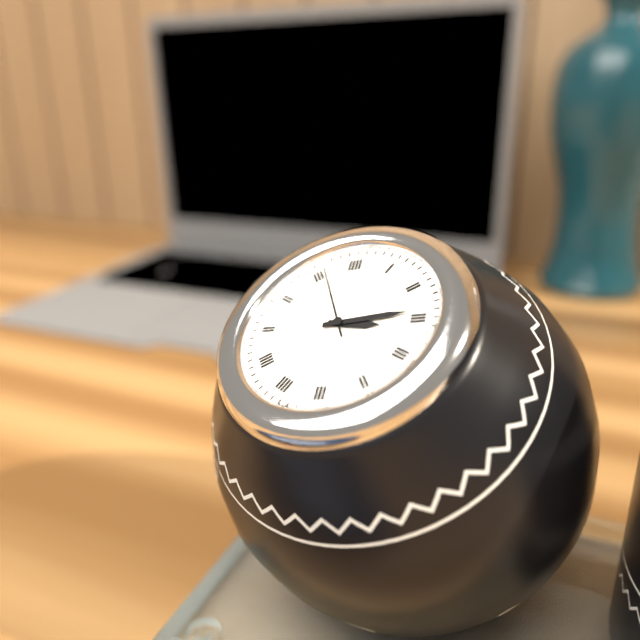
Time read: 3h14m56s
